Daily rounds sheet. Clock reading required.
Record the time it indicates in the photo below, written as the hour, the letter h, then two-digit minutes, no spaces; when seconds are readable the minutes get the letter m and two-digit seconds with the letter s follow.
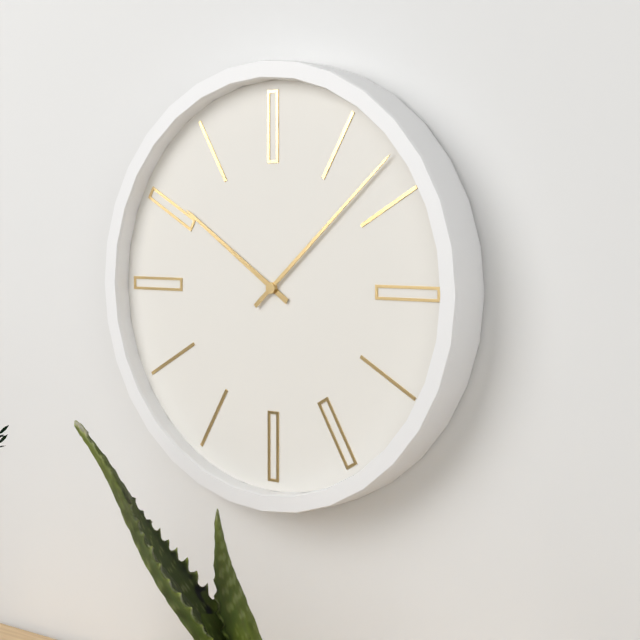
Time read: 10h08
